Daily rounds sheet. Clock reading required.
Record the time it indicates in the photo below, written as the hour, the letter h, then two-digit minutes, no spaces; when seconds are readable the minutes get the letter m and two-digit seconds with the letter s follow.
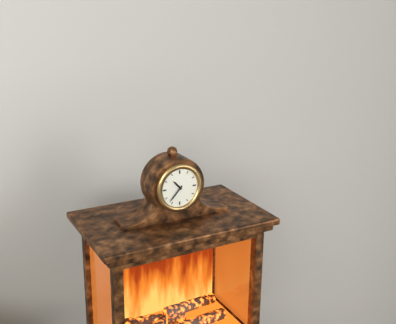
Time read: 10h37
